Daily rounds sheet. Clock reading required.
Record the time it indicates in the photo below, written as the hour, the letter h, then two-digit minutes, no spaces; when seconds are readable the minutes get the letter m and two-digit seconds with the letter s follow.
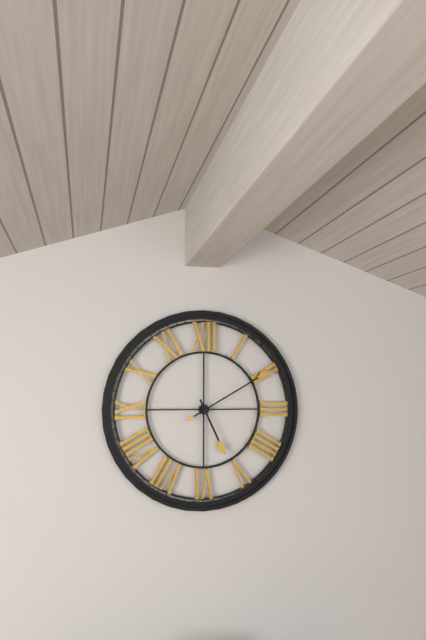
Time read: 5h10
